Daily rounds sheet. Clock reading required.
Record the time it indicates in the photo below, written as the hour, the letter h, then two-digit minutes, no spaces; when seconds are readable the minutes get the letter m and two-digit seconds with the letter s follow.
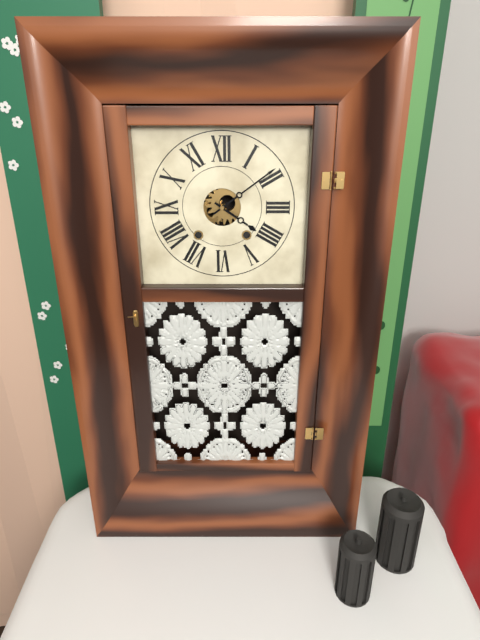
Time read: 4h09
